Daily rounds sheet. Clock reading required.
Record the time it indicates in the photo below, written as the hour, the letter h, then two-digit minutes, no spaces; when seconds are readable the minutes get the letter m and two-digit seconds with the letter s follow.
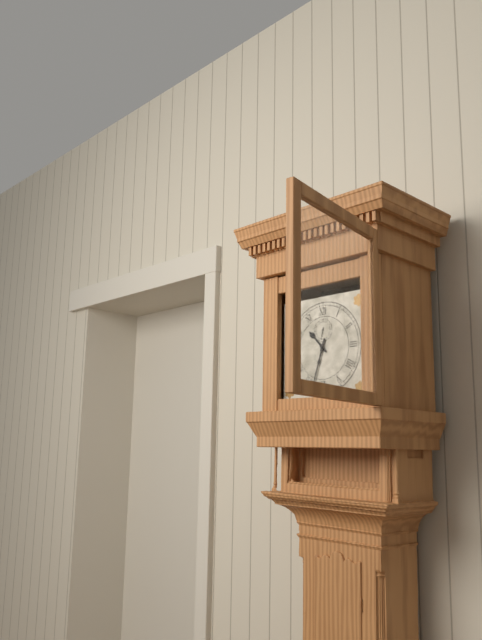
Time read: 10h33
